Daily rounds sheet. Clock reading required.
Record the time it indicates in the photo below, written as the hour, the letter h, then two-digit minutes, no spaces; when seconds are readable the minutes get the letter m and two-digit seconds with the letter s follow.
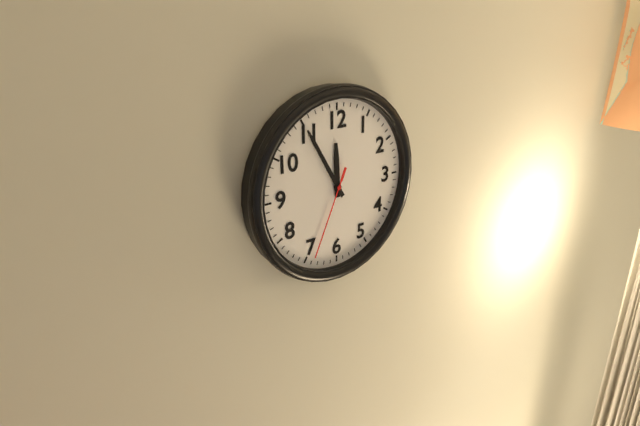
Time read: 11h55m34s
